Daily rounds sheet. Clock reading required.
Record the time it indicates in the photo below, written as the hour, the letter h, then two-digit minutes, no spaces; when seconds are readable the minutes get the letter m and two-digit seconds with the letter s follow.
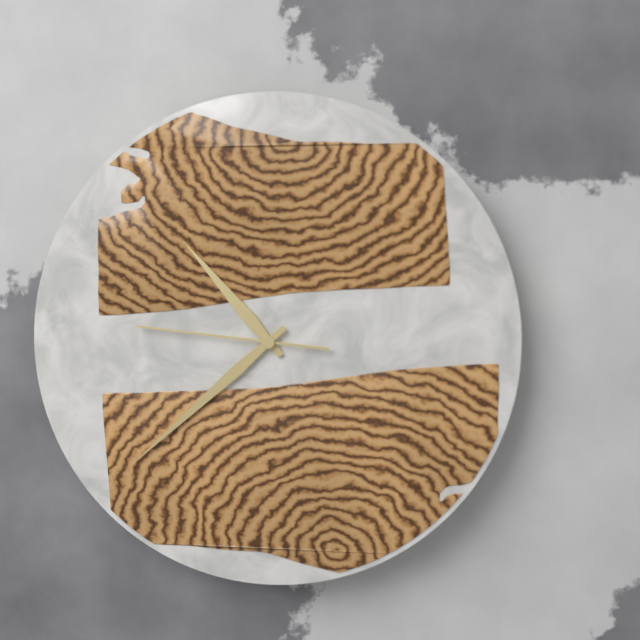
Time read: 10h38m46s
